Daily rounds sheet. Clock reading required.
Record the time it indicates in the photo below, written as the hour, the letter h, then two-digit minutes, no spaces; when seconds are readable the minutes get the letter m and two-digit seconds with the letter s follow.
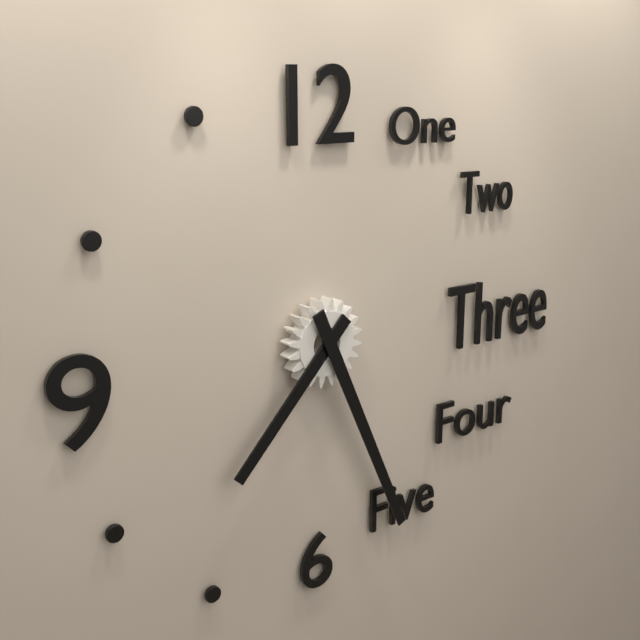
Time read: 7h26
